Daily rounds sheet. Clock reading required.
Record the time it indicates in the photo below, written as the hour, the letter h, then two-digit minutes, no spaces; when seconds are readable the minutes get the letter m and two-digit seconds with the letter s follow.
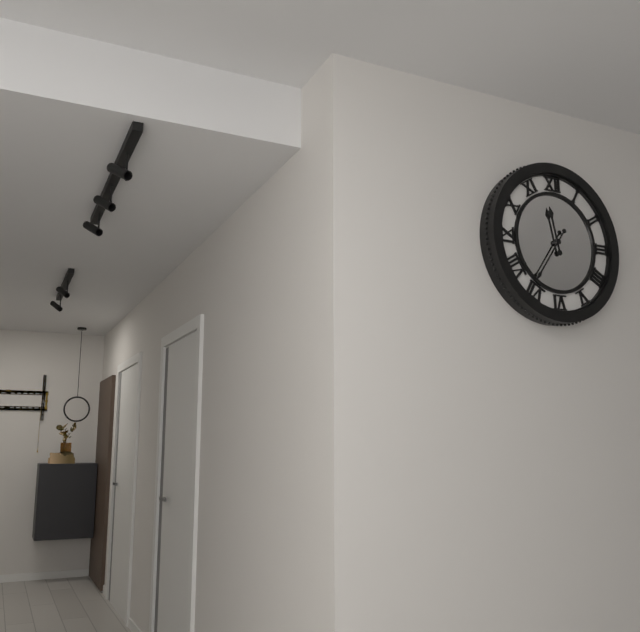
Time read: 11h36
